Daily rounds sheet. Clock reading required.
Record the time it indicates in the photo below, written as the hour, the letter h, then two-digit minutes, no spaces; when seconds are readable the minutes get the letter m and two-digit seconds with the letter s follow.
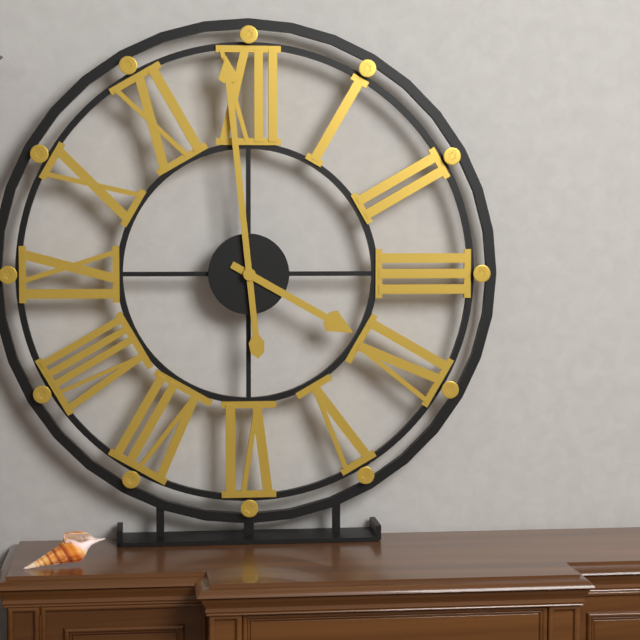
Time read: 3h59
